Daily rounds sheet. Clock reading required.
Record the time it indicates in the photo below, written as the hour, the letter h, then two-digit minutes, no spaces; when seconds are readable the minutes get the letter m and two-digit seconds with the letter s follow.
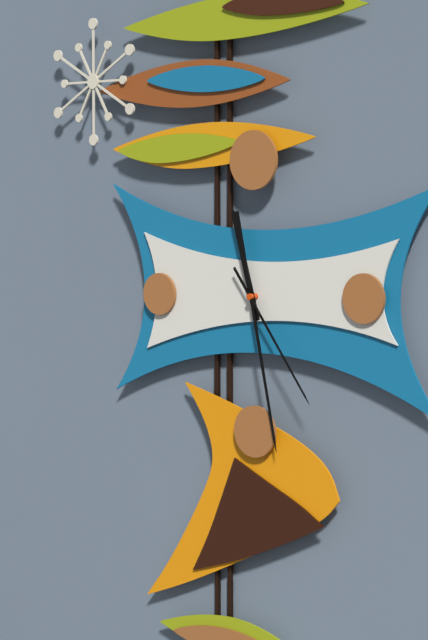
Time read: 11h28m24s
